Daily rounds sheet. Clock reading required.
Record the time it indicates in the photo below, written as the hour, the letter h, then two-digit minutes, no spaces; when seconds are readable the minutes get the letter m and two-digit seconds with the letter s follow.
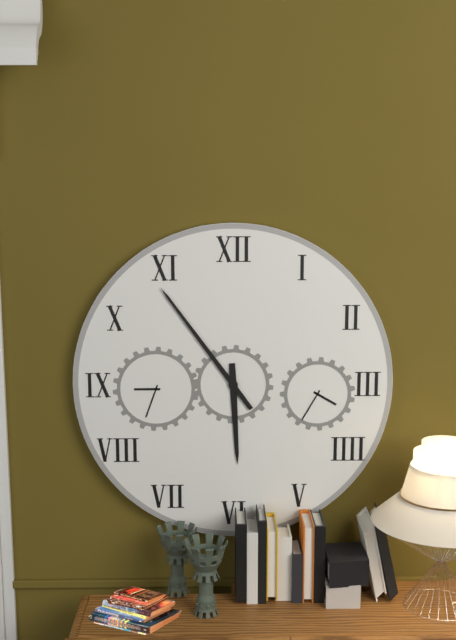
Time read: 5h54
